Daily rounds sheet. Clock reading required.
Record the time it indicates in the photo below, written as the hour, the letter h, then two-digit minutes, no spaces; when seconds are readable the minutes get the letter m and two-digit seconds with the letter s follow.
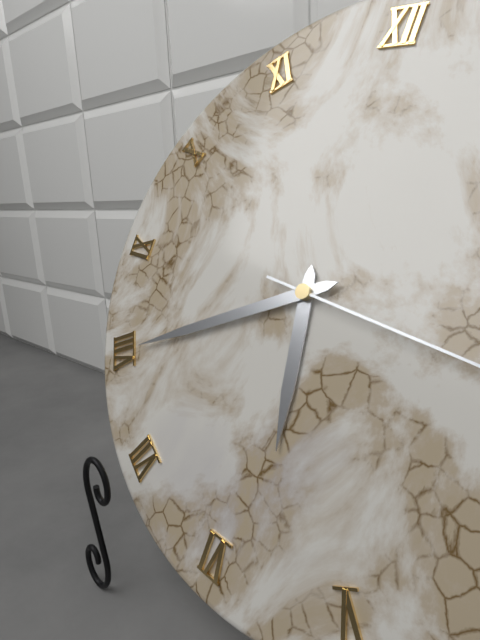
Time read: 5h40
